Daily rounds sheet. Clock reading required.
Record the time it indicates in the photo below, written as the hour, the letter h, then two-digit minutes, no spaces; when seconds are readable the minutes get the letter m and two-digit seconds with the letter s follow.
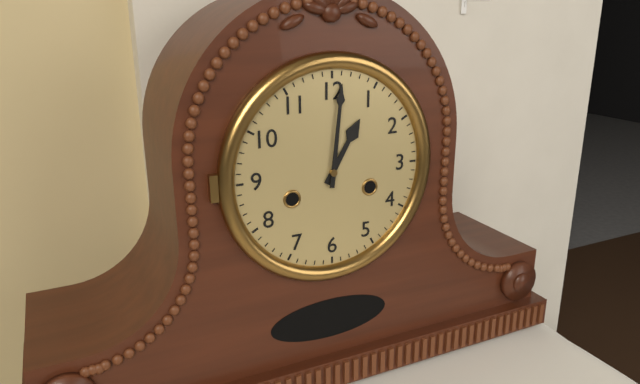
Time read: 1h01
